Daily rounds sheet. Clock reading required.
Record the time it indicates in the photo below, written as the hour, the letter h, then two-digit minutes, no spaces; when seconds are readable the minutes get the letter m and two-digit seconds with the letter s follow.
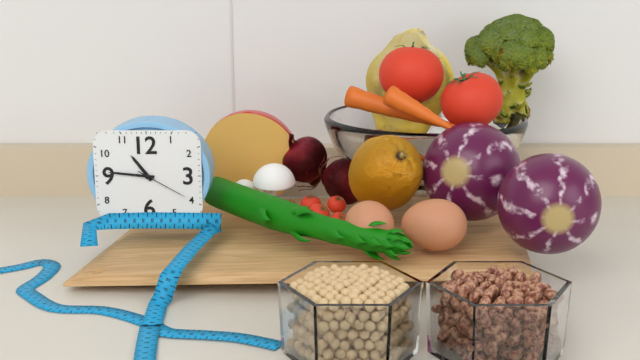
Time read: 10h46m20s
